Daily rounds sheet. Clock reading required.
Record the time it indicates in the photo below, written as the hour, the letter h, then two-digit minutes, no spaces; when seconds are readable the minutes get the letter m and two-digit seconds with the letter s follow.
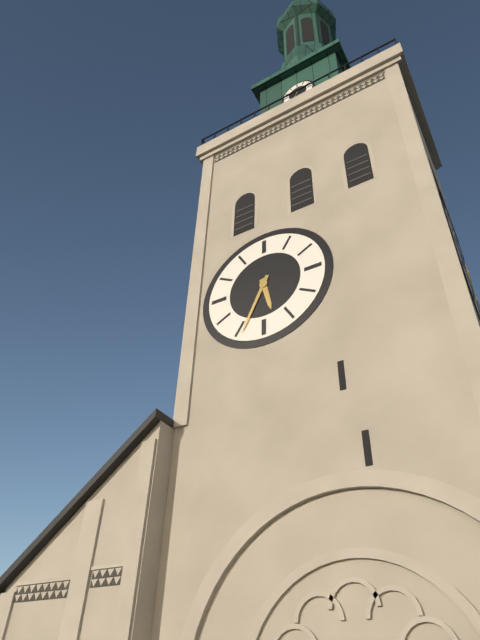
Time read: 5h34
